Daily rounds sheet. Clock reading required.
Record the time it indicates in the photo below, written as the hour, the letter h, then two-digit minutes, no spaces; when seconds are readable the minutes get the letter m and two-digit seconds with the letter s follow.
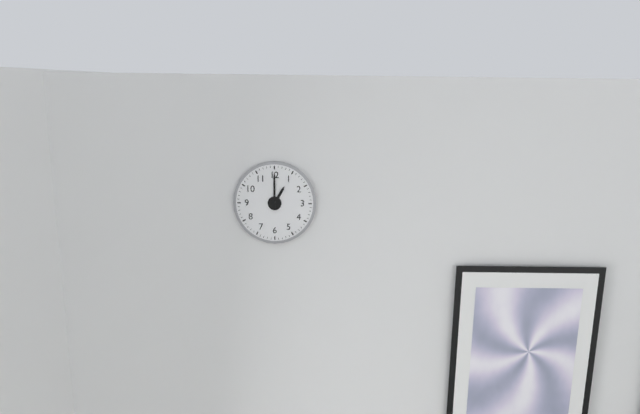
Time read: 1h00
